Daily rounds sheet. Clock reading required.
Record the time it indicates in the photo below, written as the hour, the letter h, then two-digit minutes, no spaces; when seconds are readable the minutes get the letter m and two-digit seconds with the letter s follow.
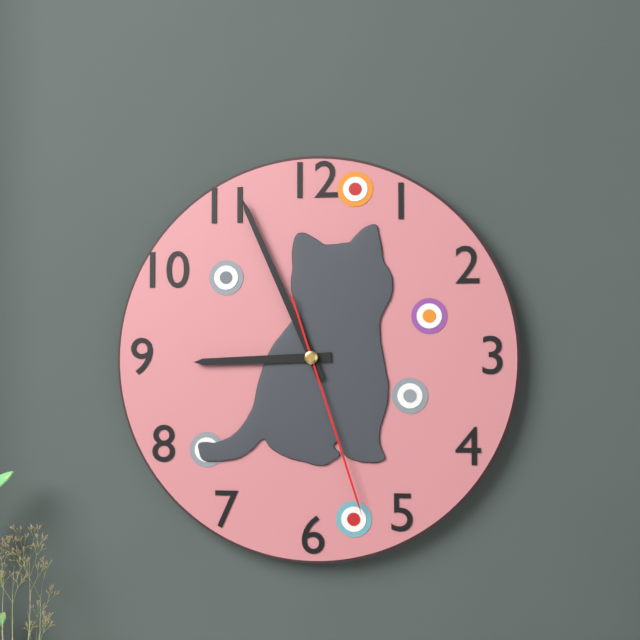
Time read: 8h56m27s
